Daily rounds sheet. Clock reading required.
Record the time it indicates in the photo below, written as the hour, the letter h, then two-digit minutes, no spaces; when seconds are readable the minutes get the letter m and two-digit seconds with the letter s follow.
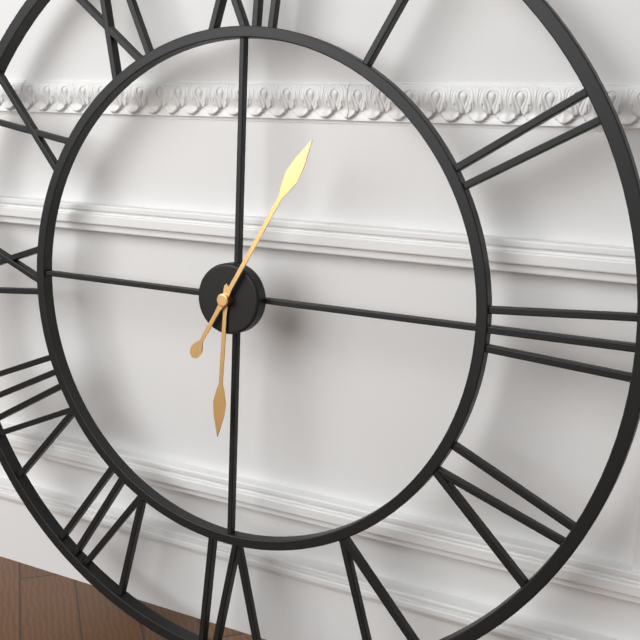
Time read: 6h05
